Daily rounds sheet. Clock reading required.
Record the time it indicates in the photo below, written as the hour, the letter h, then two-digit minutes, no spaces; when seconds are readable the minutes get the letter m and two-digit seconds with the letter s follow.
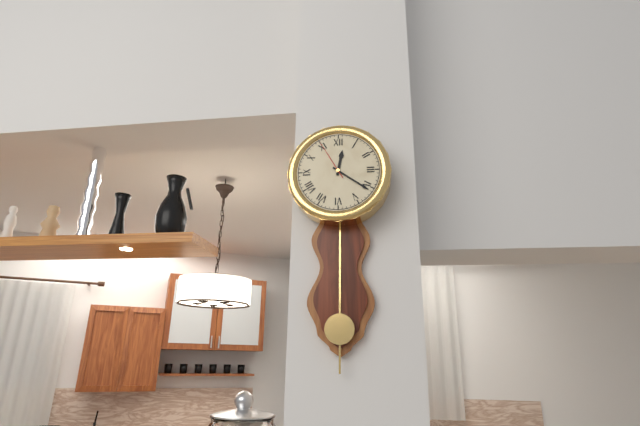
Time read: 12h21
